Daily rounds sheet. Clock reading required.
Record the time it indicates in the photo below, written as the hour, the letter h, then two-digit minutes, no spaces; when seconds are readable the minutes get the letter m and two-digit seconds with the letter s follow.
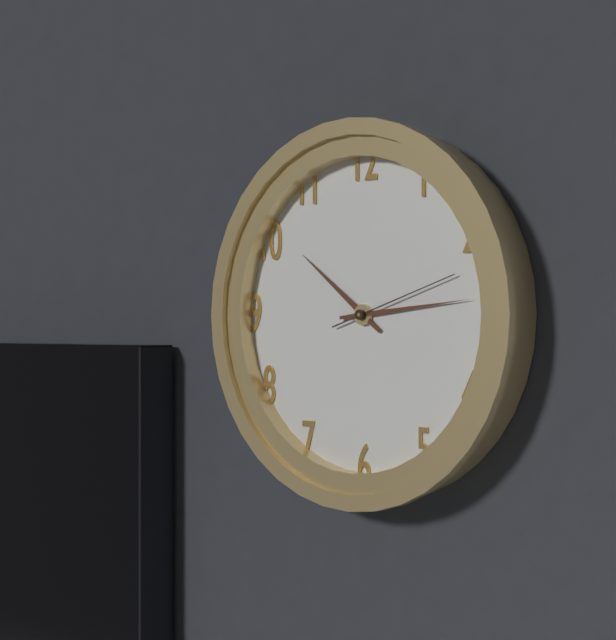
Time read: 10h14m12s
